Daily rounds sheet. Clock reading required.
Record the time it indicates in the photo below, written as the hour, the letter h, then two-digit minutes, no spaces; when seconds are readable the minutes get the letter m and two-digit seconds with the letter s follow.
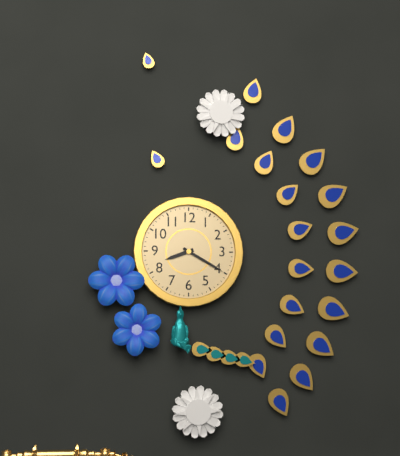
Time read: 8h20
